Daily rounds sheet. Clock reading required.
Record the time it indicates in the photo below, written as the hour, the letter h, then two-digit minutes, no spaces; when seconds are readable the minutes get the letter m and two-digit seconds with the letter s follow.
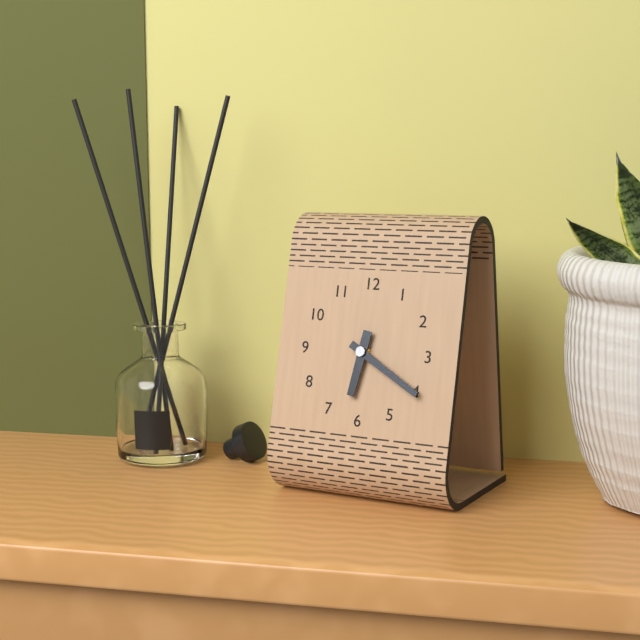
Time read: 6h20
